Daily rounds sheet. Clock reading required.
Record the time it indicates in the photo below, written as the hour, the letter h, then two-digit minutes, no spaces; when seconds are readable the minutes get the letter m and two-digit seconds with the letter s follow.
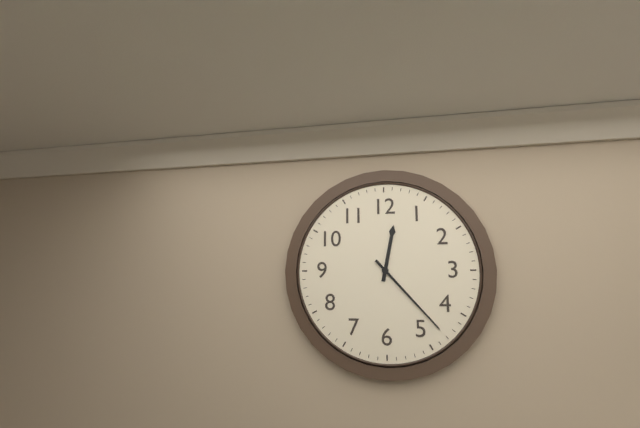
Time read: 12h23
